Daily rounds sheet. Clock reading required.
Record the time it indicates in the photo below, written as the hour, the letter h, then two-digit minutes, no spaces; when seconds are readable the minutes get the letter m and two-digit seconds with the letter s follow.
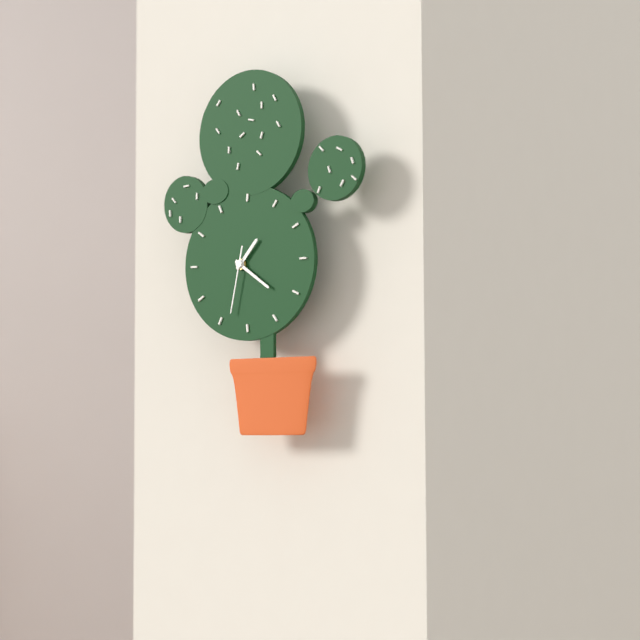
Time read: 1h21m32s
